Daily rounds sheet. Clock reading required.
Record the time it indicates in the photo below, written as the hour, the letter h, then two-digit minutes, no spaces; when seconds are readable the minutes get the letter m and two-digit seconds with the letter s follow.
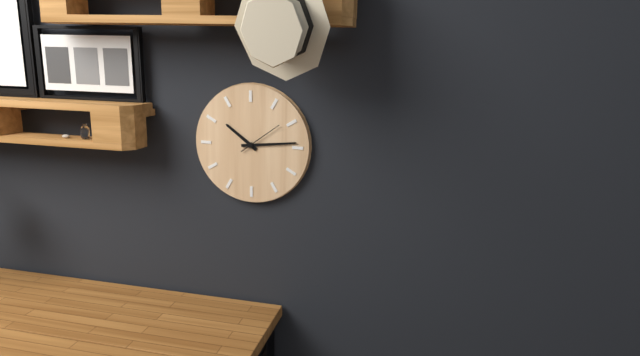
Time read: 10h14
